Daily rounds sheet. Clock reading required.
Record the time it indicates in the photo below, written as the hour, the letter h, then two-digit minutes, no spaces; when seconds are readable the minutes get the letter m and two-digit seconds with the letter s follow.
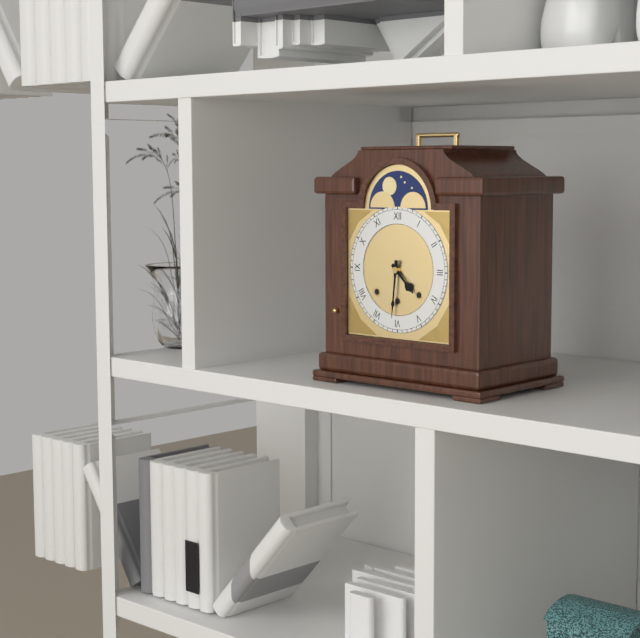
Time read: 4h31
